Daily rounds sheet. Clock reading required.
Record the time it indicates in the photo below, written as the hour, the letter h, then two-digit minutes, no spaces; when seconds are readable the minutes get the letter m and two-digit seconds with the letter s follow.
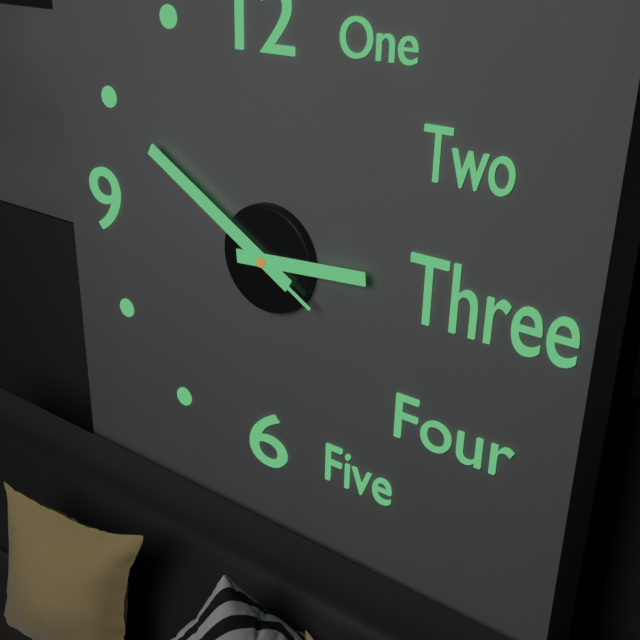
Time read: 2h50m50s
